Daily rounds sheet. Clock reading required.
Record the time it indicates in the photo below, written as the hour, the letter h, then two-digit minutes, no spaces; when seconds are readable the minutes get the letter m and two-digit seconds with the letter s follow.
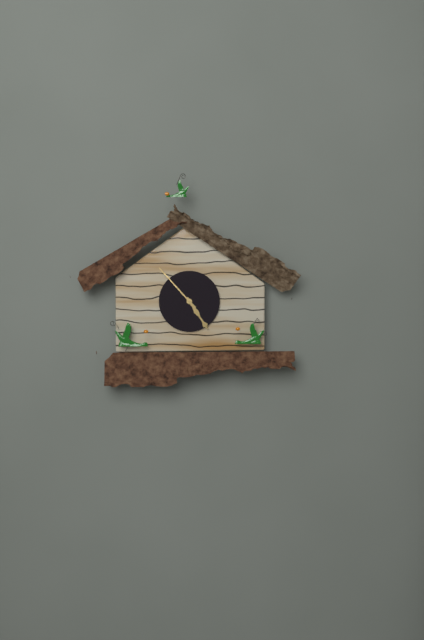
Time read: 4h53
